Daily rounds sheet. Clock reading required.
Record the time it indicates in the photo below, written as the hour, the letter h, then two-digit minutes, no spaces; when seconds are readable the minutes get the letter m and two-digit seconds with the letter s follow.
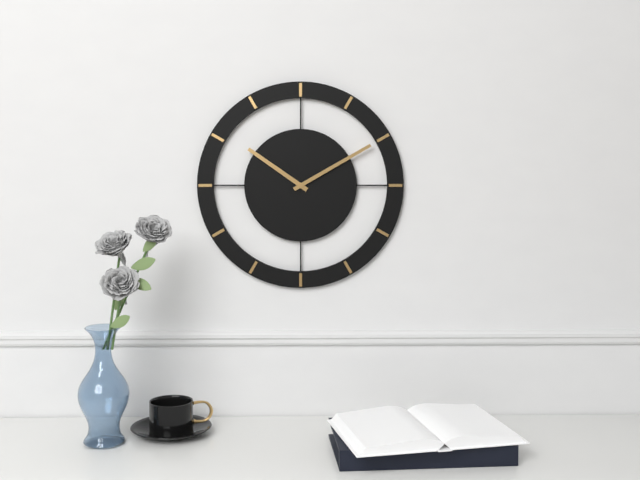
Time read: 10h10
